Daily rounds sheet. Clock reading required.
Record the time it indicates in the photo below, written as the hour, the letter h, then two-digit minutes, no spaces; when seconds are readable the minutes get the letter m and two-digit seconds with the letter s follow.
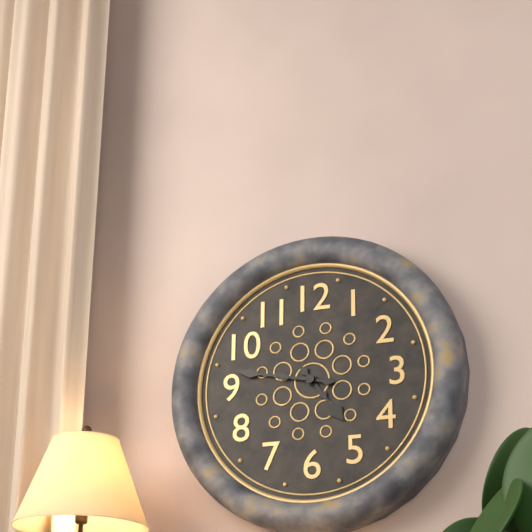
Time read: 4h47
